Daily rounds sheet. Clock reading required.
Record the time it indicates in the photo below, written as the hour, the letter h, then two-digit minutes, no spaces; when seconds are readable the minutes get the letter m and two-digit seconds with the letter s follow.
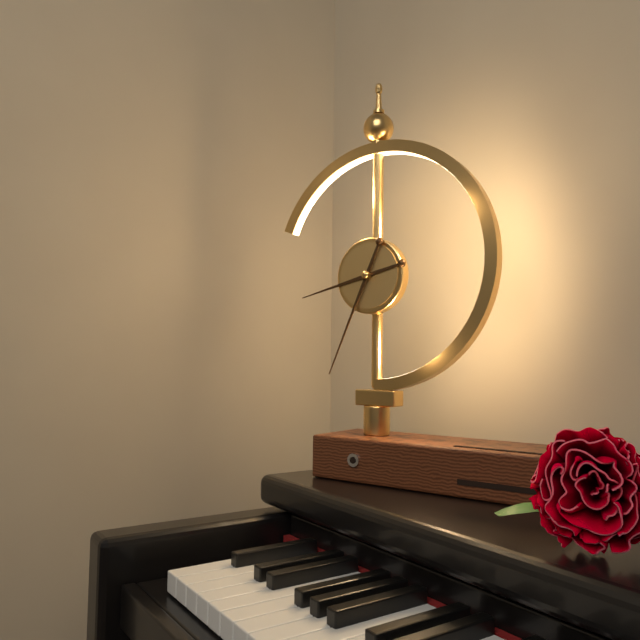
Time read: 8h34
